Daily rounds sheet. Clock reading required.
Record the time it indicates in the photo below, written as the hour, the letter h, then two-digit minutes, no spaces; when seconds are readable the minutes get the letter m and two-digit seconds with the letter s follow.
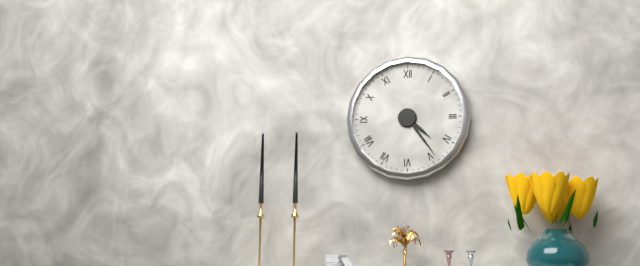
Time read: 4h24
